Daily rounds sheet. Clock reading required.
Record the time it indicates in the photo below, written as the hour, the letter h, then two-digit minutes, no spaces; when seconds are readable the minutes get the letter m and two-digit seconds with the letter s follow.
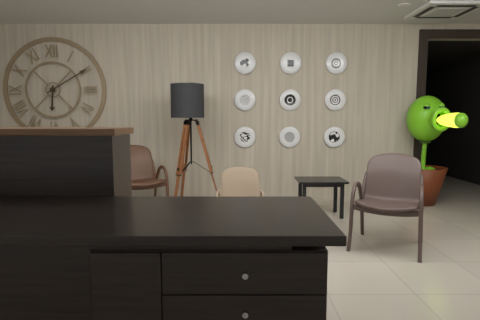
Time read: 6h10
